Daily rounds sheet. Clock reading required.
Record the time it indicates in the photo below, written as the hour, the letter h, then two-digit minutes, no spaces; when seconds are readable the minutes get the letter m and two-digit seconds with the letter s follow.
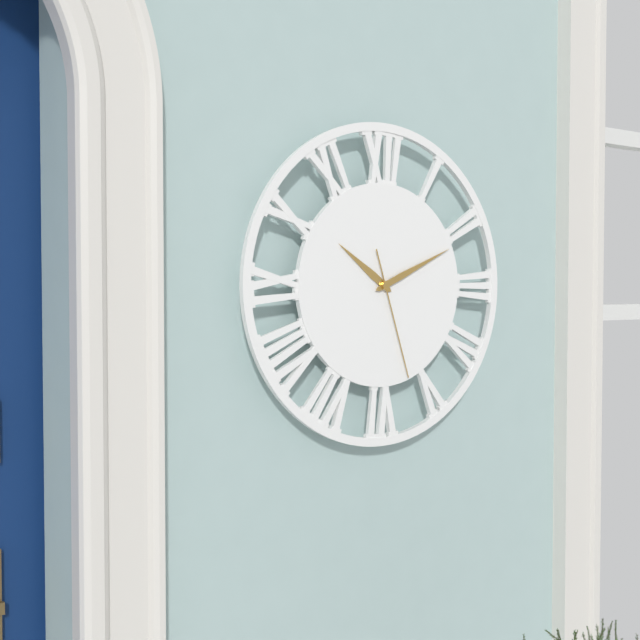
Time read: 10h11m27s
